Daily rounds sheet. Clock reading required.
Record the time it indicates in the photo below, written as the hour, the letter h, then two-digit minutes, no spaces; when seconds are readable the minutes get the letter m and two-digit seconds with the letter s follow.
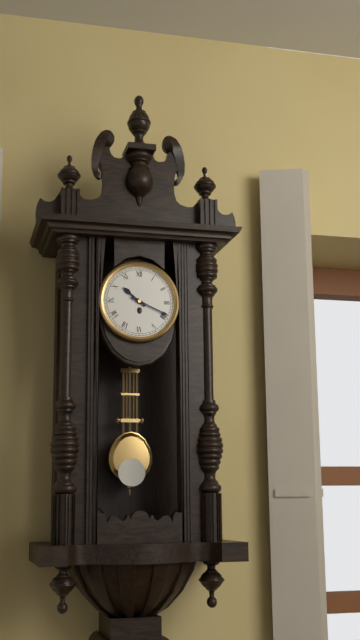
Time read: 10h19
